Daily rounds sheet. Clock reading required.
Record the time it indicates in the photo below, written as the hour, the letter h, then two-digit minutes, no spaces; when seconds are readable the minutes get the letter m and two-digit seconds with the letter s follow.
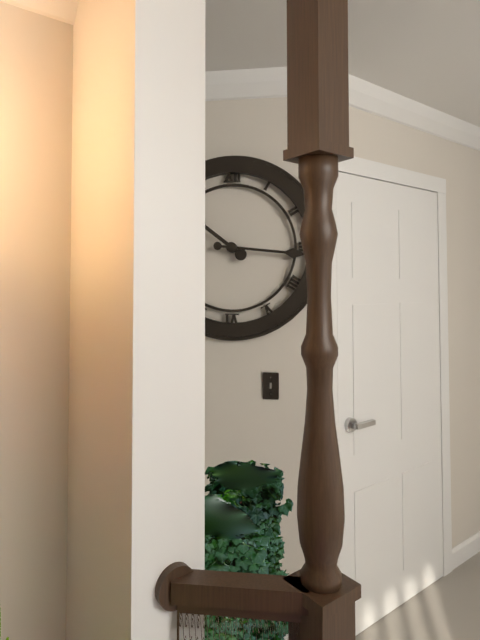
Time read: 10h16
